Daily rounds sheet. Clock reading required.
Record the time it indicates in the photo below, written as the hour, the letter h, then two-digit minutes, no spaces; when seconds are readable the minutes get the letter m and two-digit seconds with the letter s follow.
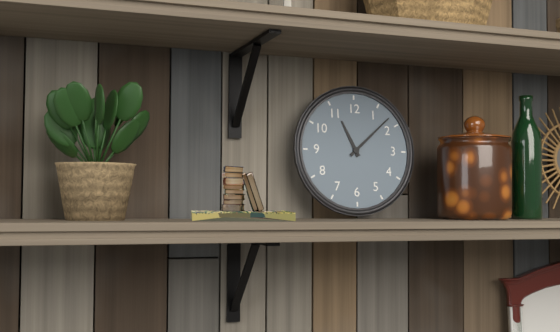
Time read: 11h08
